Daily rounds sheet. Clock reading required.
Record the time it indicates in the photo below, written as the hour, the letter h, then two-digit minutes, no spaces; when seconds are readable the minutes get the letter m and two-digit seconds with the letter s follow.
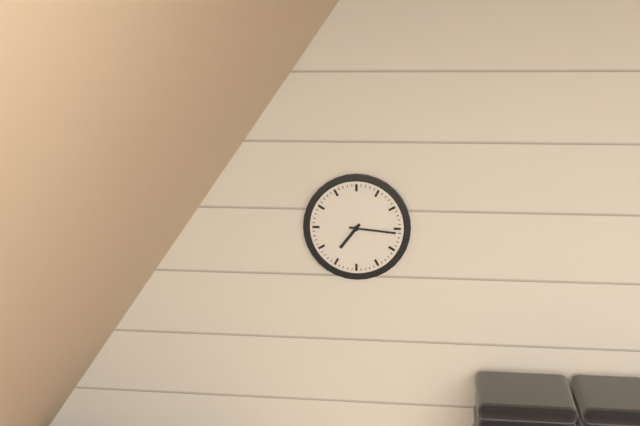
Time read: 7h16
